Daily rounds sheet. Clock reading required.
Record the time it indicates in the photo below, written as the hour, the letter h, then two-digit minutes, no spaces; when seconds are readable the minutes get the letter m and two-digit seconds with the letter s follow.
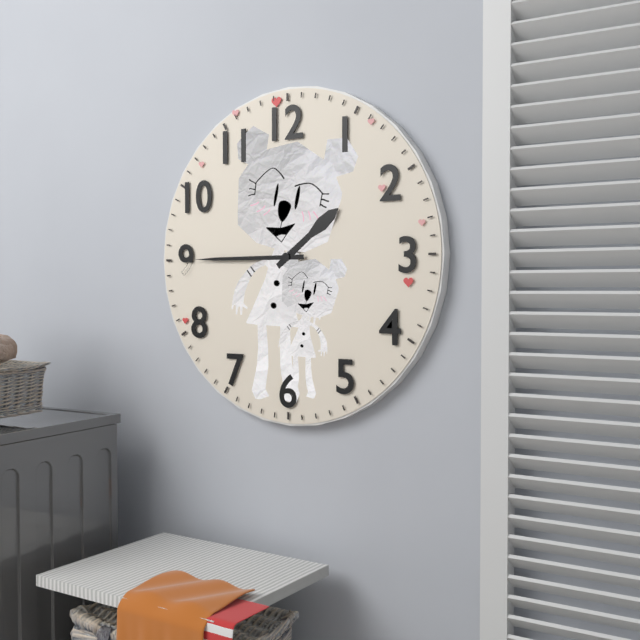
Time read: 1h45
